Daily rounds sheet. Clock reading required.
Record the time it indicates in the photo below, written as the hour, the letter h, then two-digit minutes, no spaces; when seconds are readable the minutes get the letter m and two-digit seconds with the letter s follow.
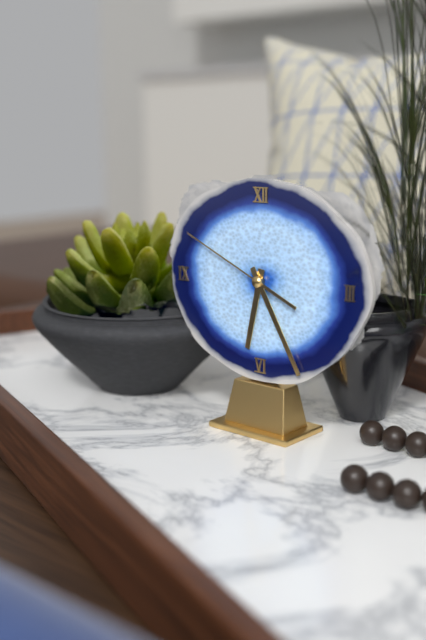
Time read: 6h25m49s
